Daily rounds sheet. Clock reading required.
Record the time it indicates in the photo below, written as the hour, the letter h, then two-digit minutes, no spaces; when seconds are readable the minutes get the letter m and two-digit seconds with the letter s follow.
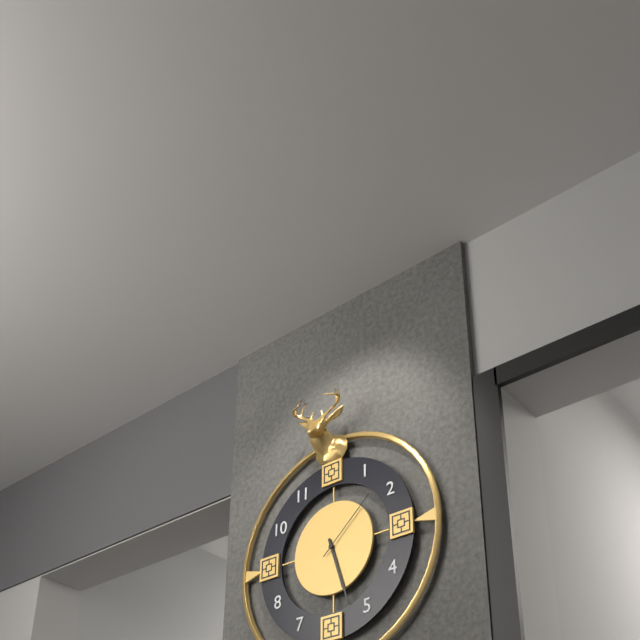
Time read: 5h27m08s
